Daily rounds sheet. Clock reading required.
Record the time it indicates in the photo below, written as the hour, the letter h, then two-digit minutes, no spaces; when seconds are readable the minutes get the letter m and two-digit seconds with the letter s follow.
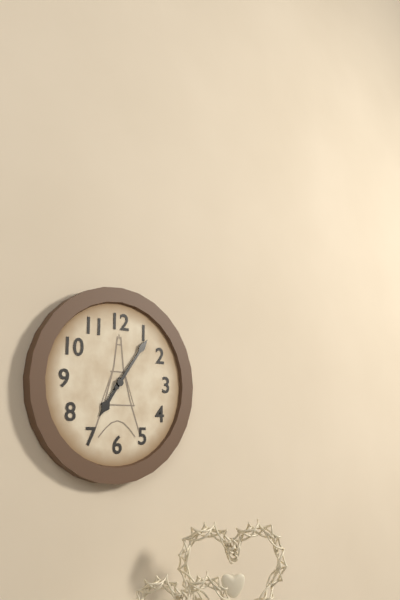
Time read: 7h06
